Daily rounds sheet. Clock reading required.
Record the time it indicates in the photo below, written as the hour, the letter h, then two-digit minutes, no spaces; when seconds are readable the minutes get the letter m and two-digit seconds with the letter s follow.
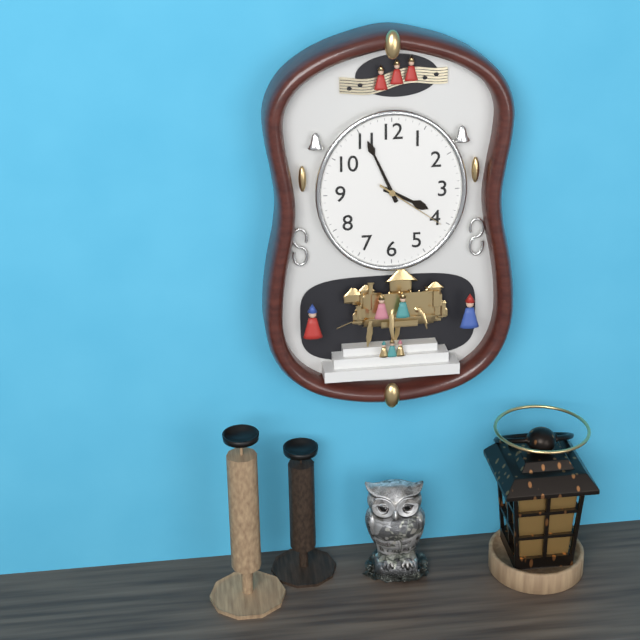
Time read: 3h56m21s
